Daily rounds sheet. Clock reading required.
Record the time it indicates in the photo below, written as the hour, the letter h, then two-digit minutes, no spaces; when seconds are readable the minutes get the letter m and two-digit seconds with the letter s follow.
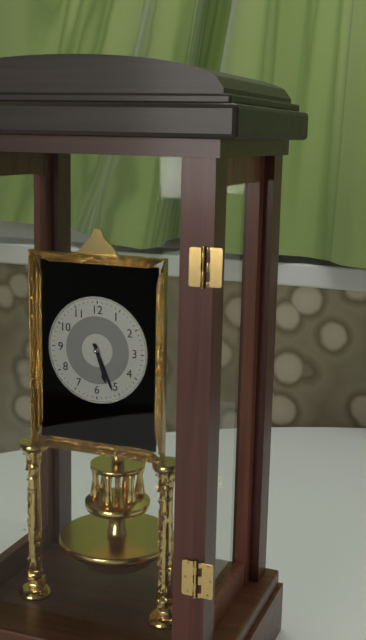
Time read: 5h26
